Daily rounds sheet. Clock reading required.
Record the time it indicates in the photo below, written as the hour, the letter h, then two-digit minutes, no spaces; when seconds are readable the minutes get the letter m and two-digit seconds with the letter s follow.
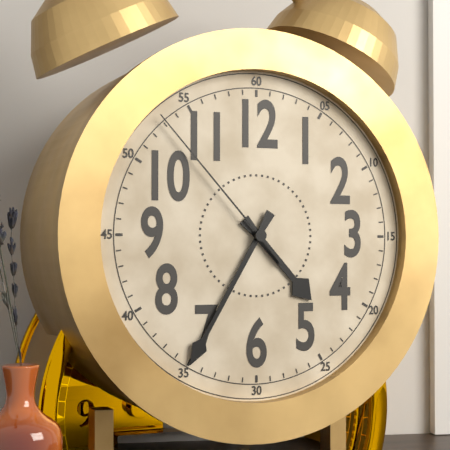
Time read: 4h35m53s
